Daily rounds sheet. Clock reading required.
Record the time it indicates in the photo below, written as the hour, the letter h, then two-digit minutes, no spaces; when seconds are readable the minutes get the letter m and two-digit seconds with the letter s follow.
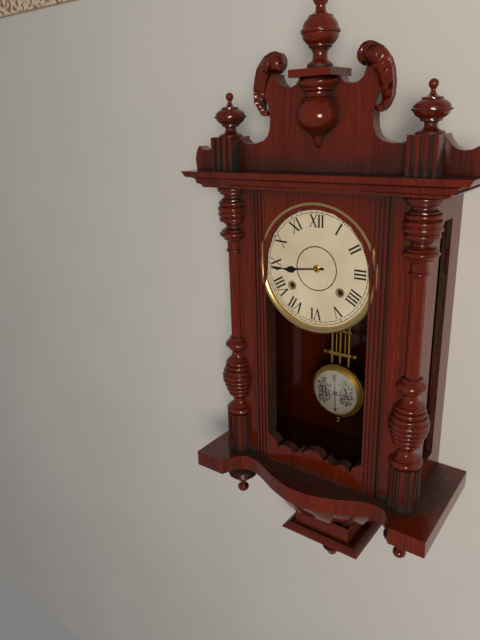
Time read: 8h44
